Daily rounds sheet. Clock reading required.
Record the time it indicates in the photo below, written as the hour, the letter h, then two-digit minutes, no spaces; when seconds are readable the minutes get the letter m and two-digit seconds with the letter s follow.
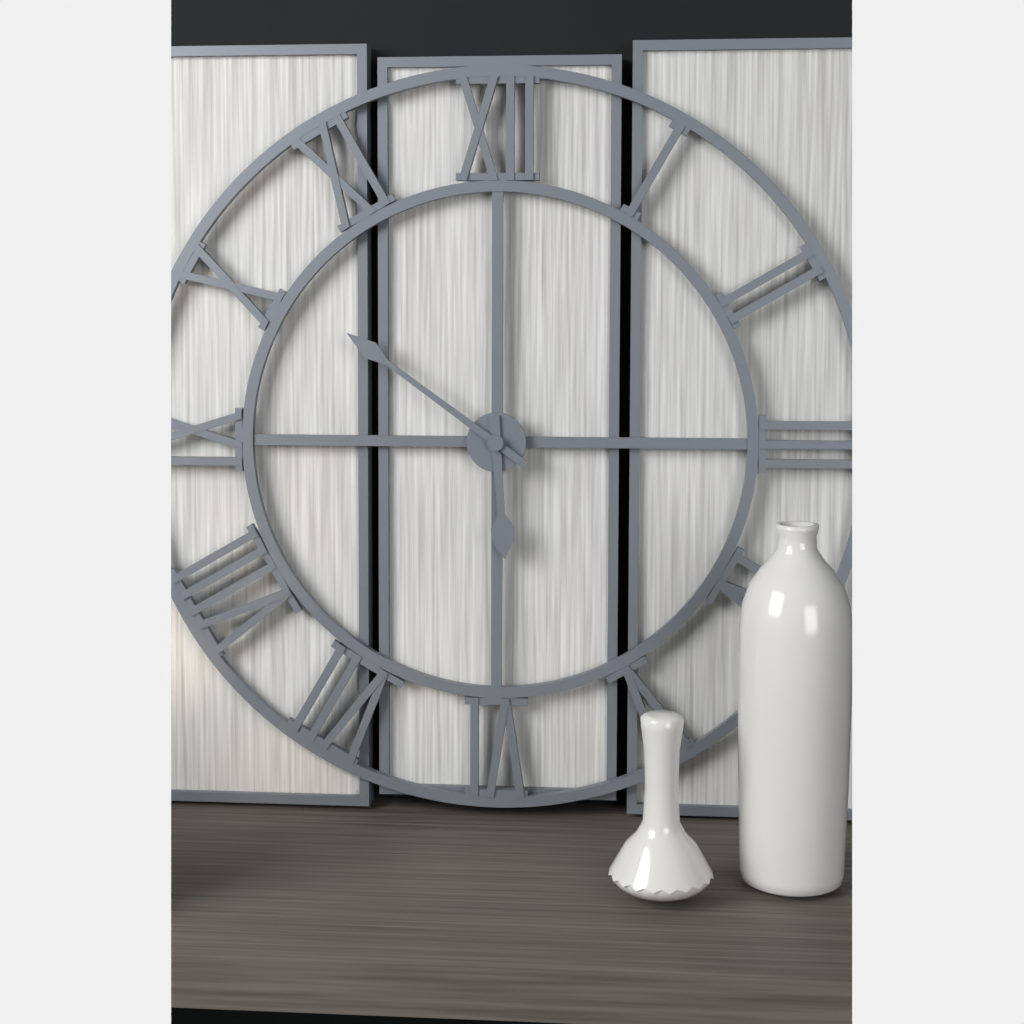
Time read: 5h51
